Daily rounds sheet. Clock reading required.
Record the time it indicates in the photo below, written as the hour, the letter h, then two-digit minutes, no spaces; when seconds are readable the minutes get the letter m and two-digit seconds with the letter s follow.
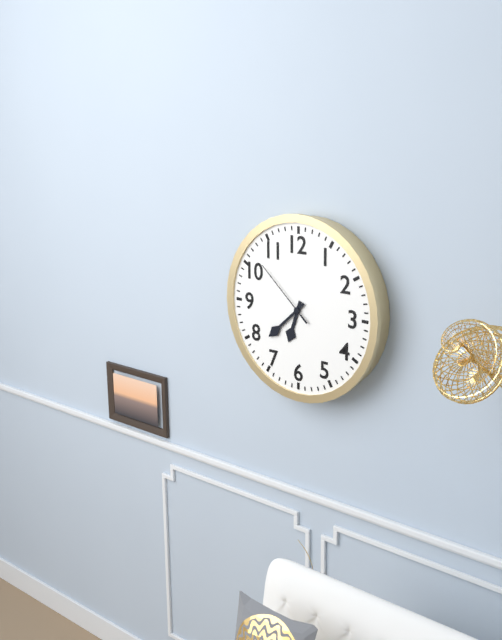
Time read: 6h38m52s
